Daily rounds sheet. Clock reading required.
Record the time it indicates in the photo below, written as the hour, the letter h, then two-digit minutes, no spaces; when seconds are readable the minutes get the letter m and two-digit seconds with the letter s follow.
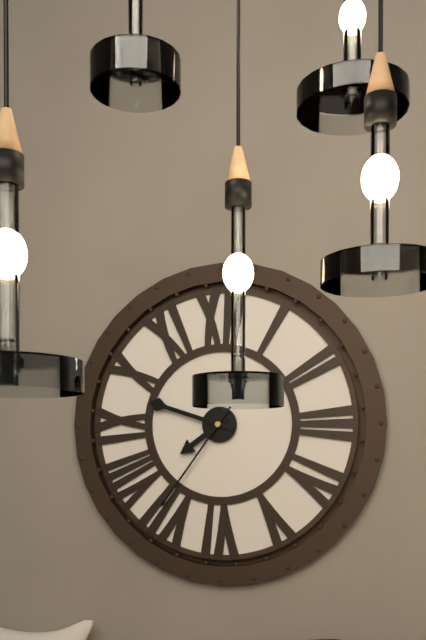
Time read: 7h48m36s
